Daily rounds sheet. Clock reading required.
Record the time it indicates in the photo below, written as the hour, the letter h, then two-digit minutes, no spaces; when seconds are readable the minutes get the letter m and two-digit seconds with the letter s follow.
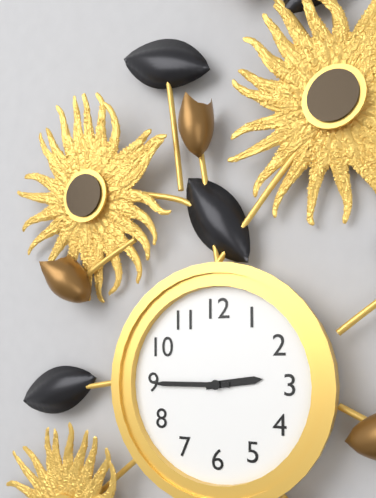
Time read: 2h45
